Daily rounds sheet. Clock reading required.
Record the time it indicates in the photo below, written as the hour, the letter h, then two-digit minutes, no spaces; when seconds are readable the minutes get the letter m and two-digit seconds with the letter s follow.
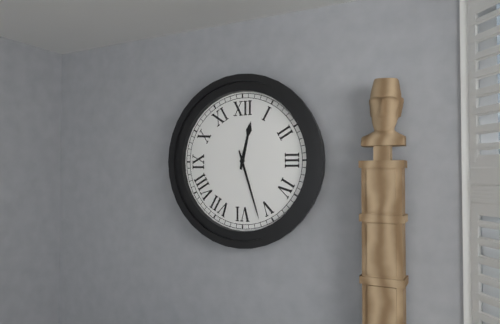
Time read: 12h27
